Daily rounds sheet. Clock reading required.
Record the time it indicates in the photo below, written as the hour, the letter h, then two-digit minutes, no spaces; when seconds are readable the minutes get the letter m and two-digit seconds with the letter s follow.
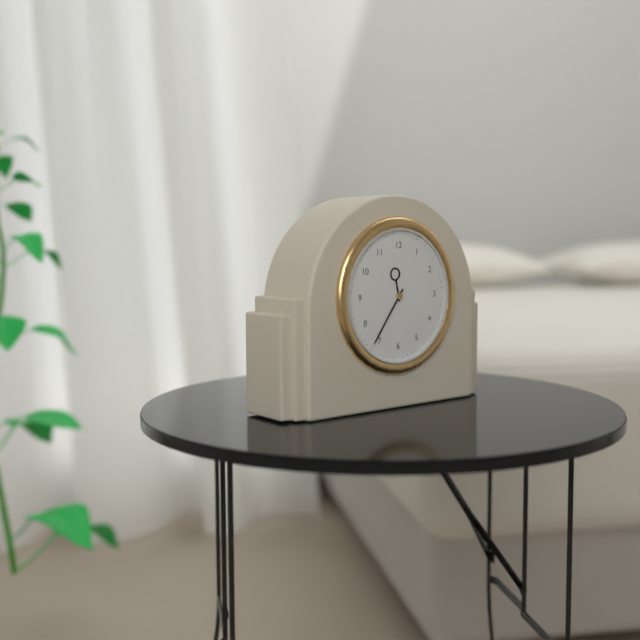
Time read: 11h36
